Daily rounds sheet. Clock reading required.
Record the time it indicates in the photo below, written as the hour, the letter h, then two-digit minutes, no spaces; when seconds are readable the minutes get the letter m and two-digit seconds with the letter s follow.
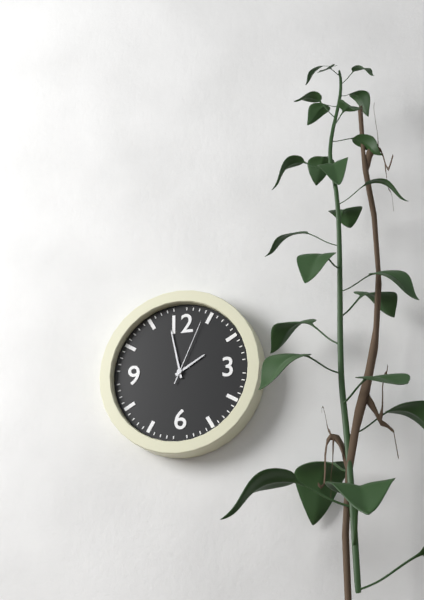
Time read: 1h58m04s
